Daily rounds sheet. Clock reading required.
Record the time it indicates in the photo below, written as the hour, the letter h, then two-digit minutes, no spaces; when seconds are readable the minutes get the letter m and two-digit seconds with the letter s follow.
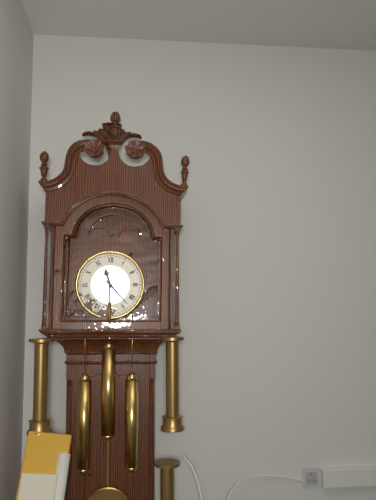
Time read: 11h23
